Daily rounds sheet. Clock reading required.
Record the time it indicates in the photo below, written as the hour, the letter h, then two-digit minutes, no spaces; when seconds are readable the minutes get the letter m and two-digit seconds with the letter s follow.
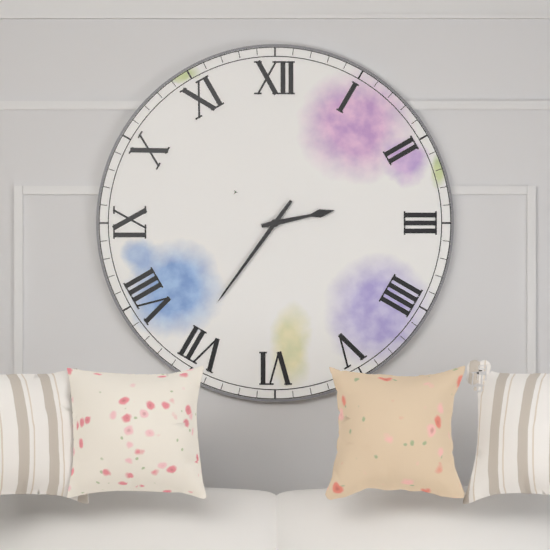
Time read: 2h36
